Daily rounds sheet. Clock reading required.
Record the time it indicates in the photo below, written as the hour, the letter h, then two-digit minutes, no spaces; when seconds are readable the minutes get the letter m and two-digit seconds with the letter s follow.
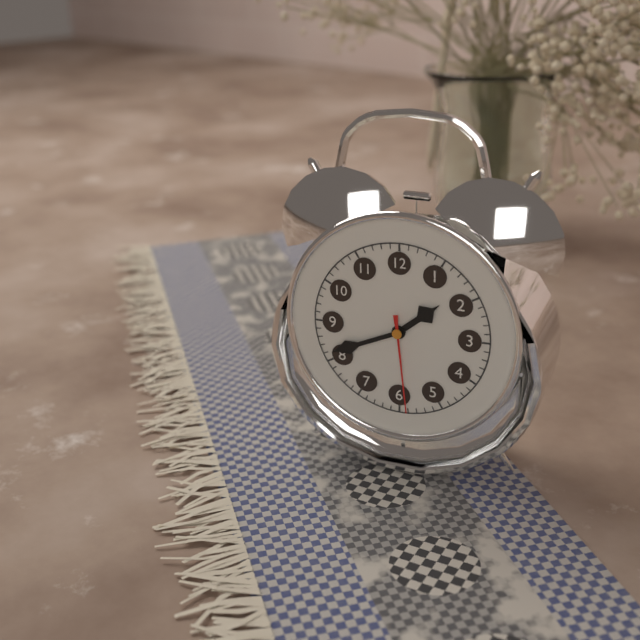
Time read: 1h41m29s
